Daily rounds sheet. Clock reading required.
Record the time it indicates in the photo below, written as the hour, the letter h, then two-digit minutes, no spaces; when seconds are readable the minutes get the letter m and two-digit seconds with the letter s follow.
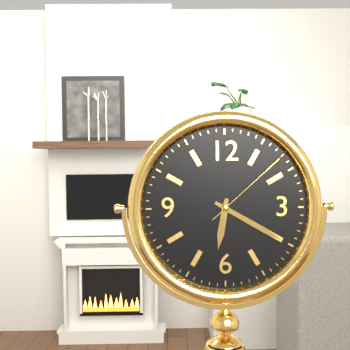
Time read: 6h20m08s
